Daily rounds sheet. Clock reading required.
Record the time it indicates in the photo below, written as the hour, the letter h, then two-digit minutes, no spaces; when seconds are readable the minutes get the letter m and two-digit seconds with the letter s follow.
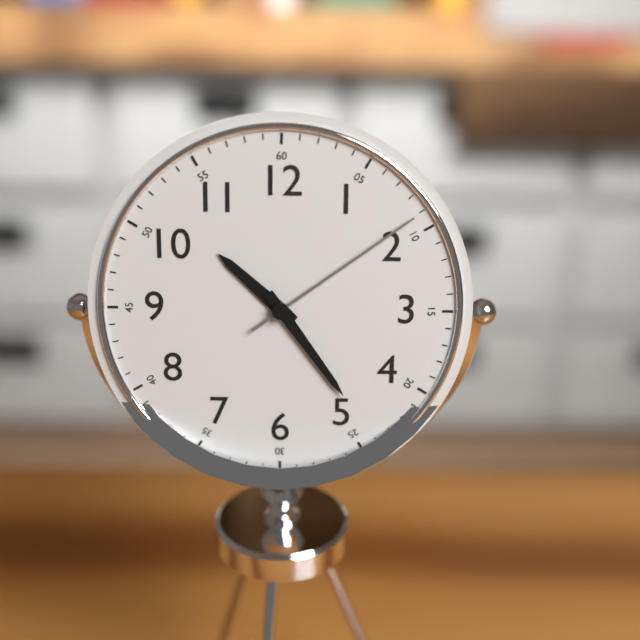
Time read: 10h24m09s
